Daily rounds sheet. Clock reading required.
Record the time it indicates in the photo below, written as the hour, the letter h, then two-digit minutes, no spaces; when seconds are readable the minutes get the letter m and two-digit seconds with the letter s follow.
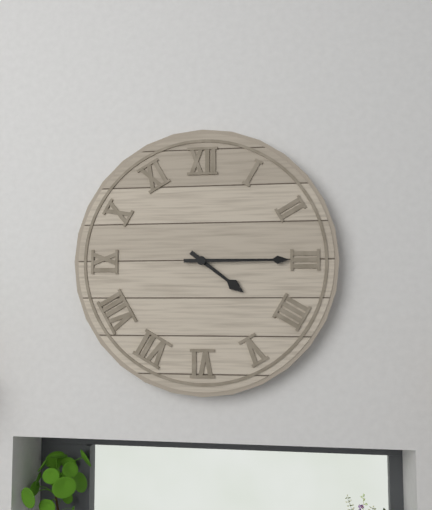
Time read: 4h15
